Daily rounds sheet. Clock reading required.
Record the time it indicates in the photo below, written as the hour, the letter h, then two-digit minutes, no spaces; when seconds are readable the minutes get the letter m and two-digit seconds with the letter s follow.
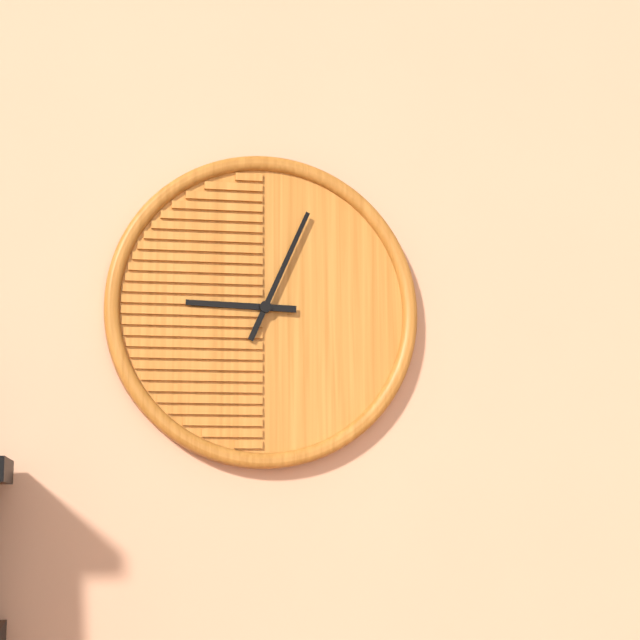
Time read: 9h04
